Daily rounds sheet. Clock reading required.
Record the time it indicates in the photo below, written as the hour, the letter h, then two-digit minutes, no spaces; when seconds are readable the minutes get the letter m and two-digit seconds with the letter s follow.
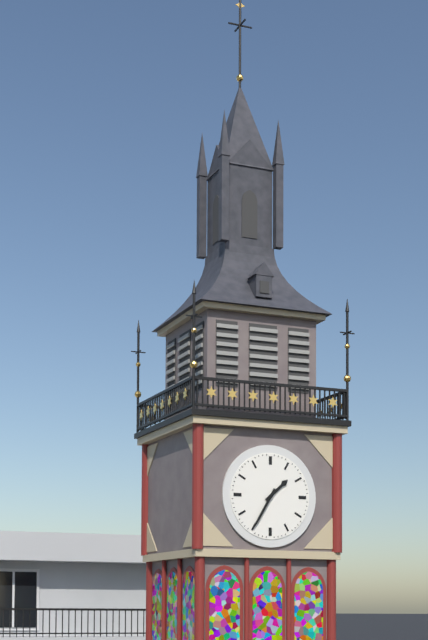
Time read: 1h35
